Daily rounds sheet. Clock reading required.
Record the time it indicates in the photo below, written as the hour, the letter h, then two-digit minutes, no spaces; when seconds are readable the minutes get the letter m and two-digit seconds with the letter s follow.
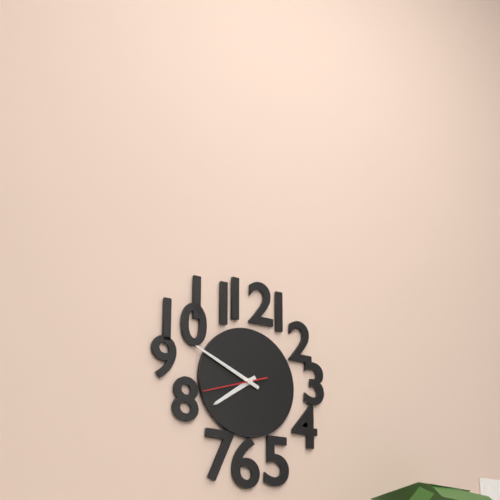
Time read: 7h49m42s
